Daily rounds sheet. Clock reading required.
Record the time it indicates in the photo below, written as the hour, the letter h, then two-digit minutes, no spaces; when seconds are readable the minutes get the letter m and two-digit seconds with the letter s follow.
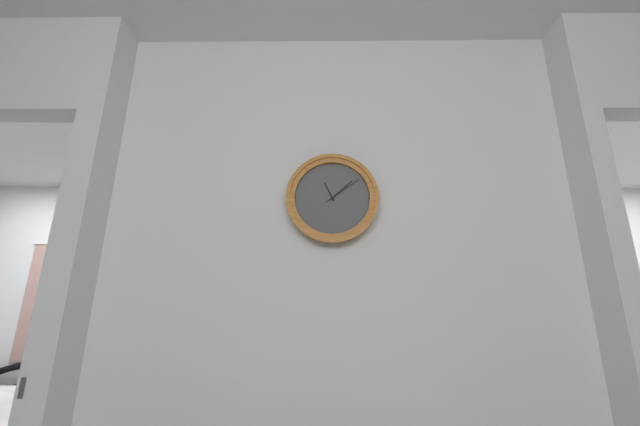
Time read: 11h08
